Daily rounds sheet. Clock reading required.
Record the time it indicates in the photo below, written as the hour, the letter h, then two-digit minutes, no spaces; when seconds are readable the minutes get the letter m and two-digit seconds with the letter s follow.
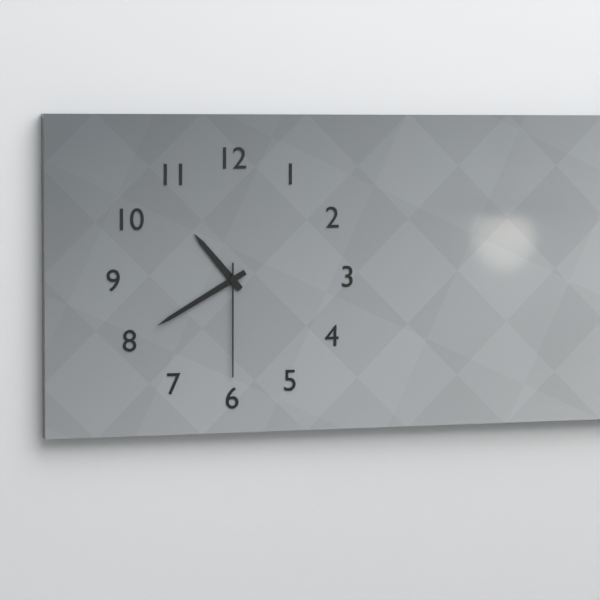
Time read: 10h40m30s
